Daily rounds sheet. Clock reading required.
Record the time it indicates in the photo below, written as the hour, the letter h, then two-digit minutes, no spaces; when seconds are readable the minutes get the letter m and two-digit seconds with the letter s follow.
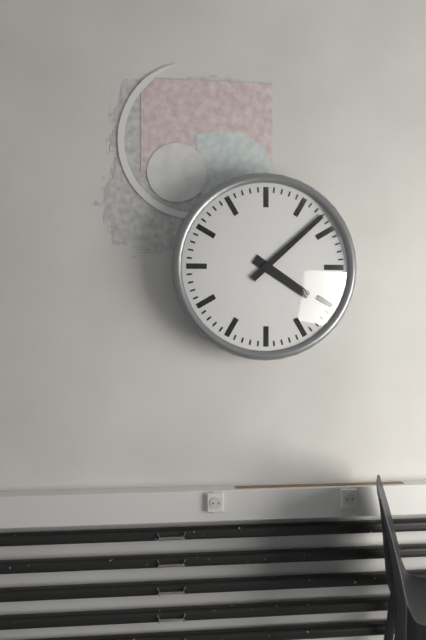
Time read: 4h08
